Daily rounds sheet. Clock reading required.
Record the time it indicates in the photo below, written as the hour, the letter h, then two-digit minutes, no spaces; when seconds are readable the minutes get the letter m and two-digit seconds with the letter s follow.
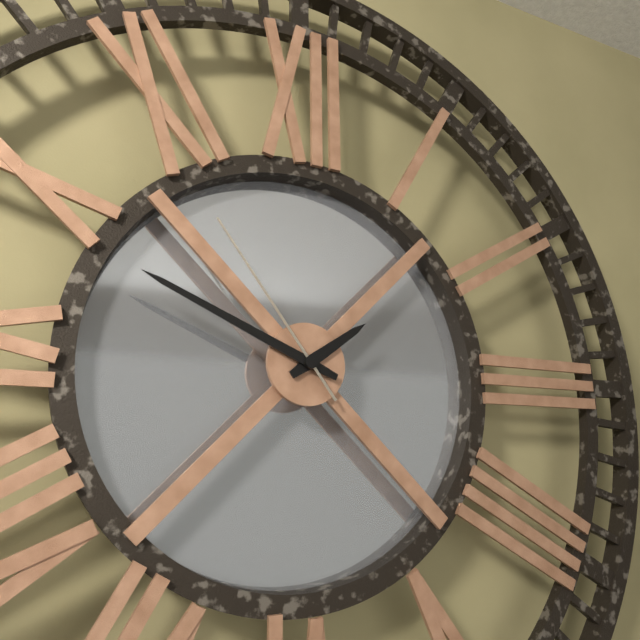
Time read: 1h49m54s
